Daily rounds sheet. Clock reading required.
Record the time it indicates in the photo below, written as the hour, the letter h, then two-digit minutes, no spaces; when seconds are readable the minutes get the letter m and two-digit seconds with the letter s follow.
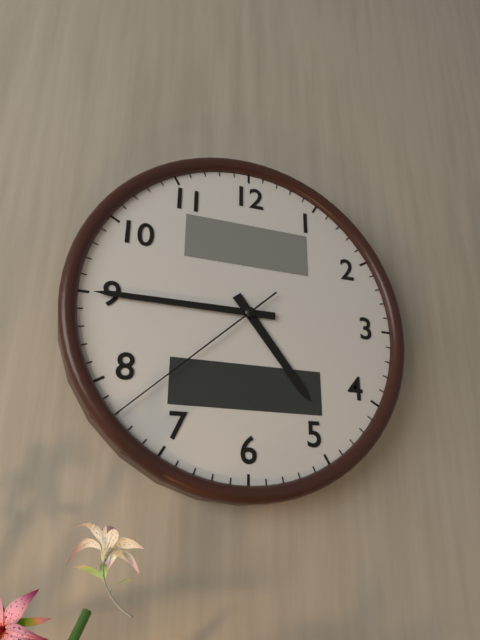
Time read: 4h45m38s
